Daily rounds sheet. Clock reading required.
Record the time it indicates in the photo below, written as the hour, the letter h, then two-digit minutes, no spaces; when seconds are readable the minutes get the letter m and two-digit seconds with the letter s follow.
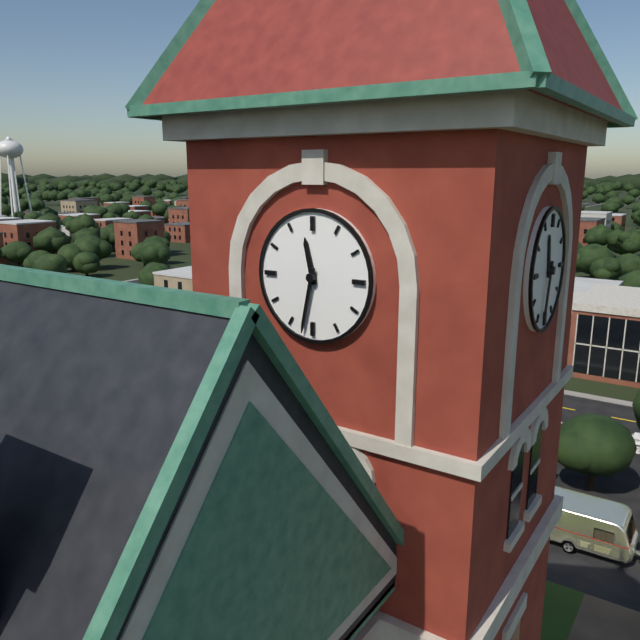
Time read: 11h32
